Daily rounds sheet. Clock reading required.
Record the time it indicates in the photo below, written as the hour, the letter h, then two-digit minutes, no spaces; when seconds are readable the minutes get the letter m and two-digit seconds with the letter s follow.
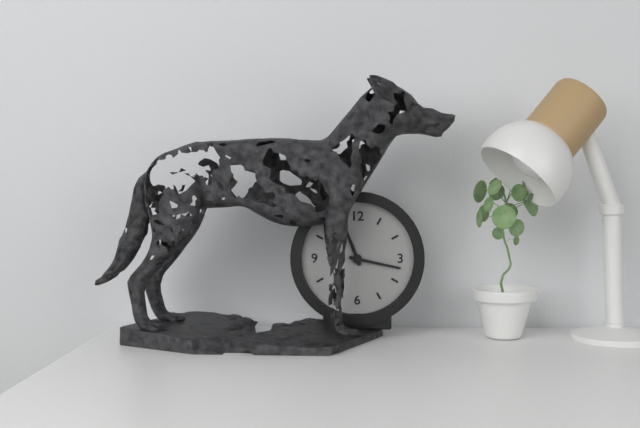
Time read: 11h17
